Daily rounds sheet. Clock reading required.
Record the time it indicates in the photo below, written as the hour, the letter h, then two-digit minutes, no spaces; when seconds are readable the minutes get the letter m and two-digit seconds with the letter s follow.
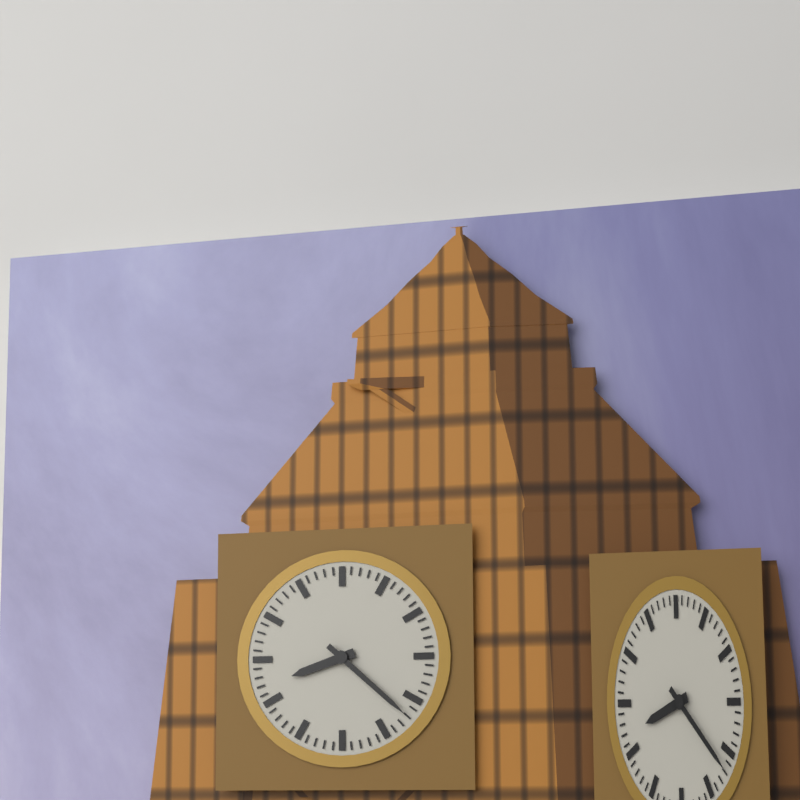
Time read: 8h22
